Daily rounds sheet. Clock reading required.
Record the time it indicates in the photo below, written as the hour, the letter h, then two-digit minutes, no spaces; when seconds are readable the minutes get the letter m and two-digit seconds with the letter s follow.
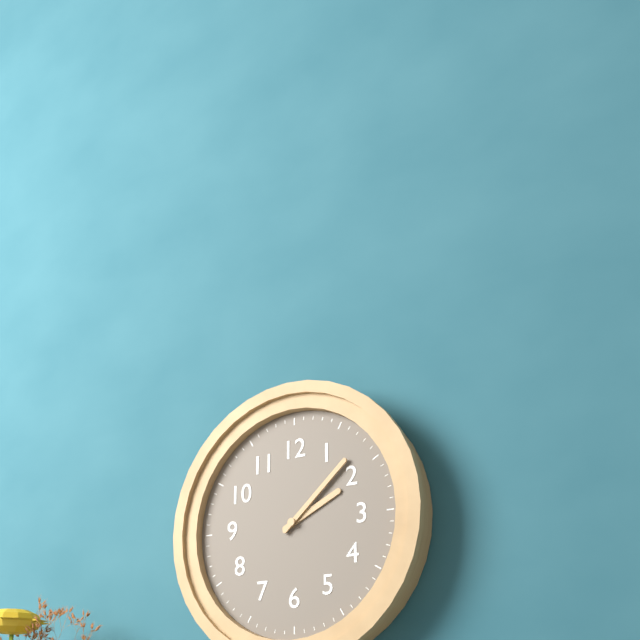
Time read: 2h08
